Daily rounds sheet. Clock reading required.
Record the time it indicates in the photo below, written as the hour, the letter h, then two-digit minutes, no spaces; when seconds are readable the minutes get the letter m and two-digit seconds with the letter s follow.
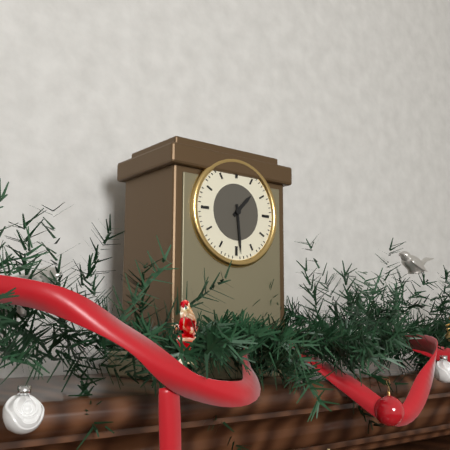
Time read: 1h29
